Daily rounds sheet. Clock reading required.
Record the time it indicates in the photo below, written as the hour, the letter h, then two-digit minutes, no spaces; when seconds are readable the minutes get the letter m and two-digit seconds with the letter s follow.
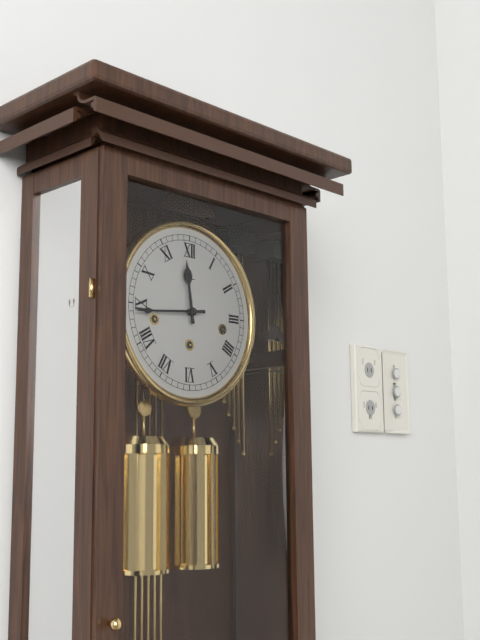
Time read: 11h44
